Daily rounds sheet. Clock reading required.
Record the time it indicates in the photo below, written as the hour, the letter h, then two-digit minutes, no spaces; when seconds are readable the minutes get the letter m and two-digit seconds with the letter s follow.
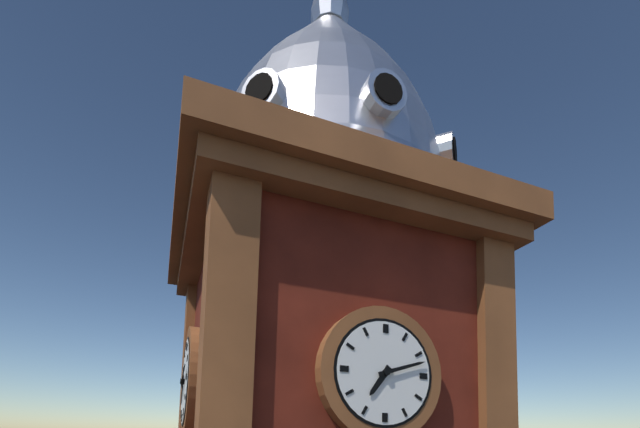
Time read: 7h12
